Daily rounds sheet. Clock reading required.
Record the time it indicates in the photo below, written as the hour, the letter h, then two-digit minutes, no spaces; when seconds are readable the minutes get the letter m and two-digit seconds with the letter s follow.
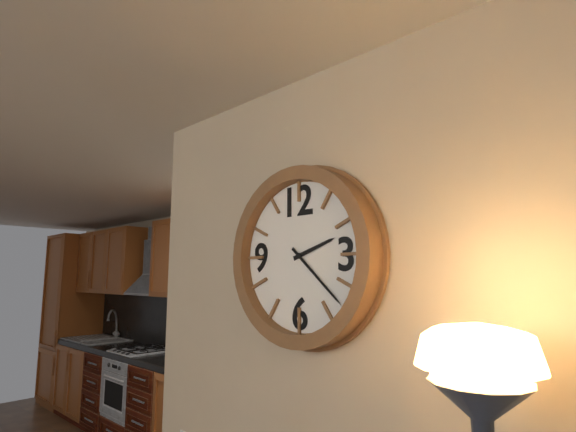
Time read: 2h22
